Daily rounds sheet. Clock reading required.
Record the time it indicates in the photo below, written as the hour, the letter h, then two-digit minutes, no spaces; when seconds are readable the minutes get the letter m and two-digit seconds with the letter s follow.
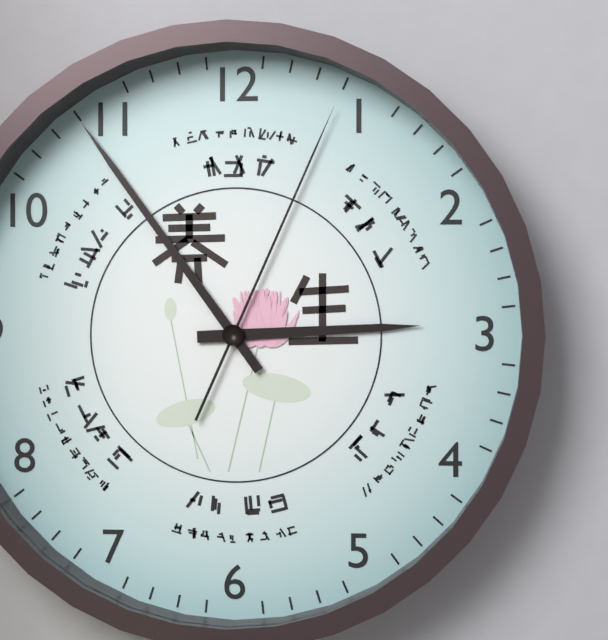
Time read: 2h54m04s
